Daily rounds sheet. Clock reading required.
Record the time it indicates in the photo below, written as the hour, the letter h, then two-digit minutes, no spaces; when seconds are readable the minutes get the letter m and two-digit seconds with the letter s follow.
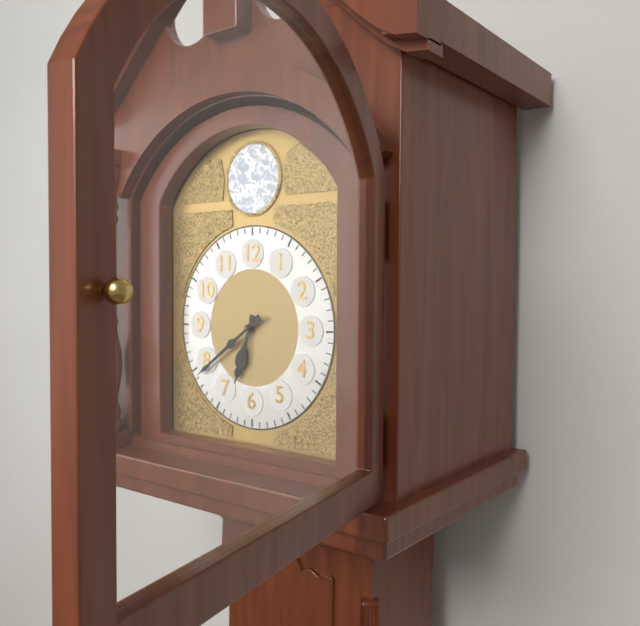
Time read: 6h39
